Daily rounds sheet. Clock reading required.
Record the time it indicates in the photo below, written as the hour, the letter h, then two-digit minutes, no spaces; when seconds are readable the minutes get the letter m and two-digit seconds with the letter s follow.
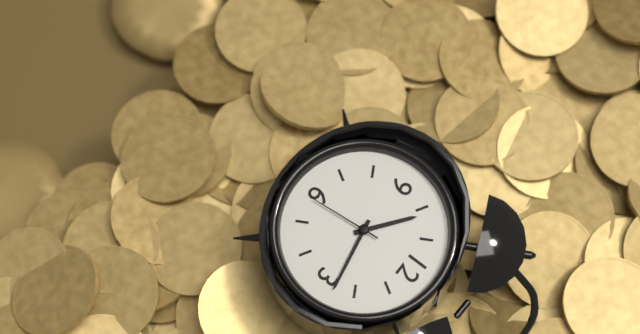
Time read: 10h13m29s
